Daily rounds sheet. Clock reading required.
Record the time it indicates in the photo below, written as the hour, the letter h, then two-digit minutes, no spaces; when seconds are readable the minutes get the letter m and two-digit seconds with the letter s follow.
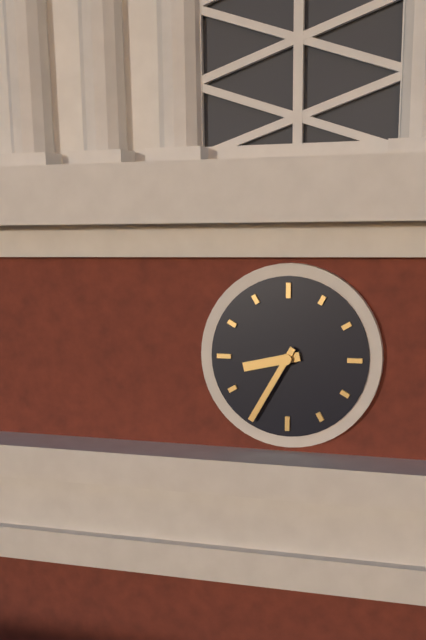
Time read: 8h35
